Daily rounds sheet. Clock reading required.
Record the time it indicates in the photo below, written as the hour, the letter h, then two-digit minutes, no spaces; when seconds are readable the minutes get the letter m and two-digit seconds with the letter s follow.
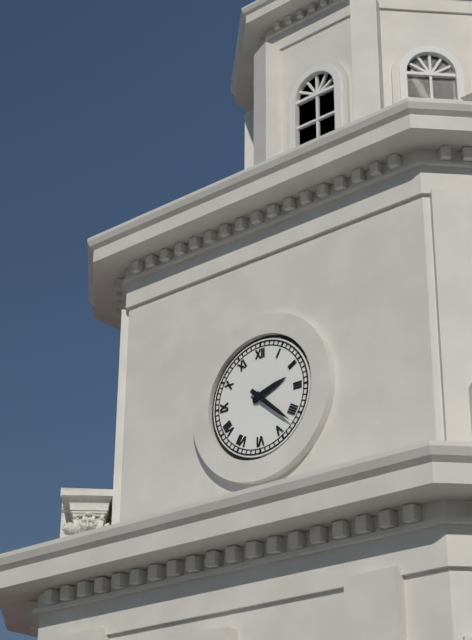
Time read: 2h22
